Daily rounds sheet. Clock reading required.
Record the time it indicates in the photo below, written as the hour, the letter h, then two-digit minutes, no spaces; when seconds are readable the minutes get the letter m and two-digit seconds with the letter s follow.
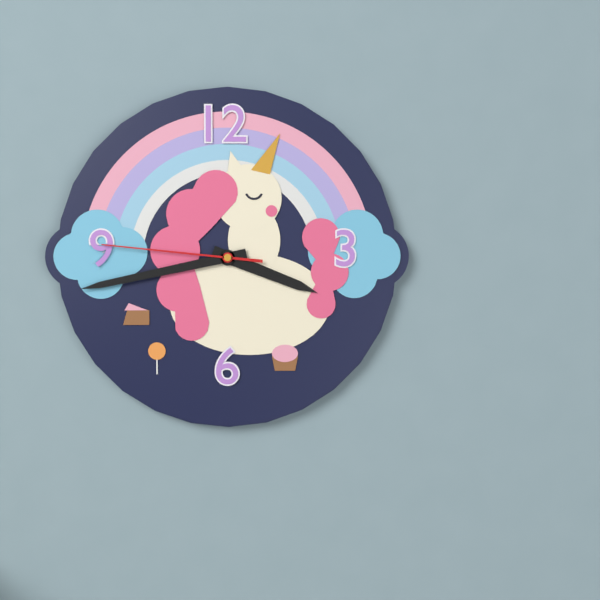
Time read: 3h43m46s
